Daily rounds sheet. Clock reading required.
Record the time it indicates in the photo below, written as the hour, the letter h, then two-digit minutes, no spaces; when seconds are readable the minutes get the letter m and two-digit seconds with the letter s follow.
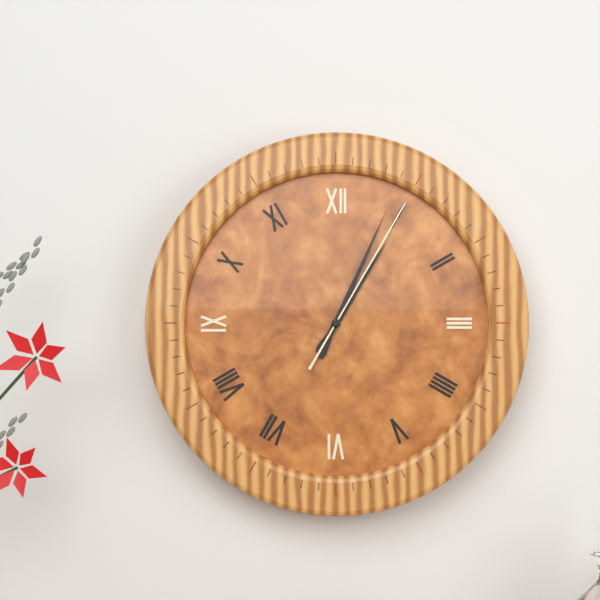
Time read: 1h04m05s
